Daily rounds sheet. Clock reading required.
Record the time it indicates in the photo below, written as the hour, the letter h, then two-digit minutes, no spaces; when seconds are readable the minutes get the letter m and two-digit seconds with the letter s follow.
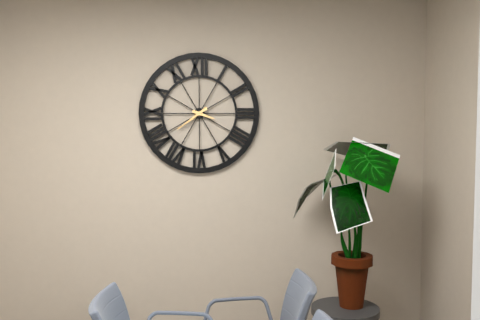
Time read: 3h39
